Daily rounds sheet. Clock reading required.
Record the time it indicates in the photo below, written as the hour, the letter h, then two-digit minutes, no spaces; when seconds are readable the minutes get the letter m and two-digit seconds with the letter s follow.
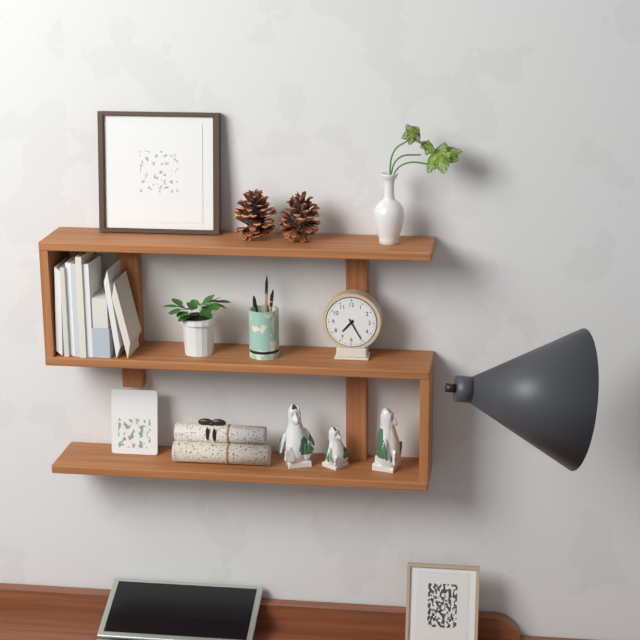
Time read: 7h25
